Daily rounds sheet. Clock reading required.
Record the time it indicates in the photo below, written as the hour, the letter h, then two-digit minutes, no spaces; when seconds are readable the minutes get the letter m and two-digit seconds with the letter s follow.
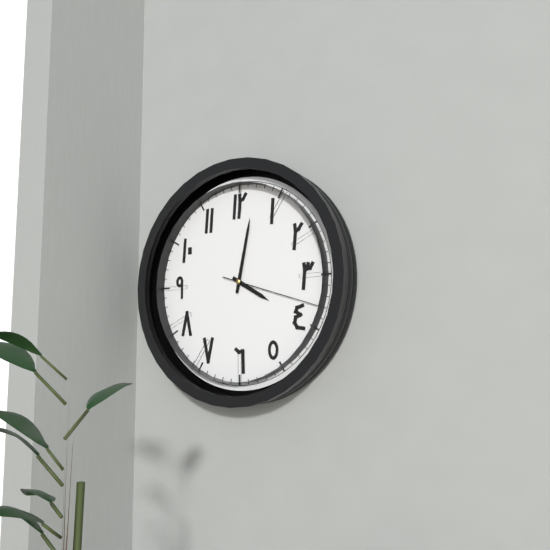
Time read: 4h02m18s
